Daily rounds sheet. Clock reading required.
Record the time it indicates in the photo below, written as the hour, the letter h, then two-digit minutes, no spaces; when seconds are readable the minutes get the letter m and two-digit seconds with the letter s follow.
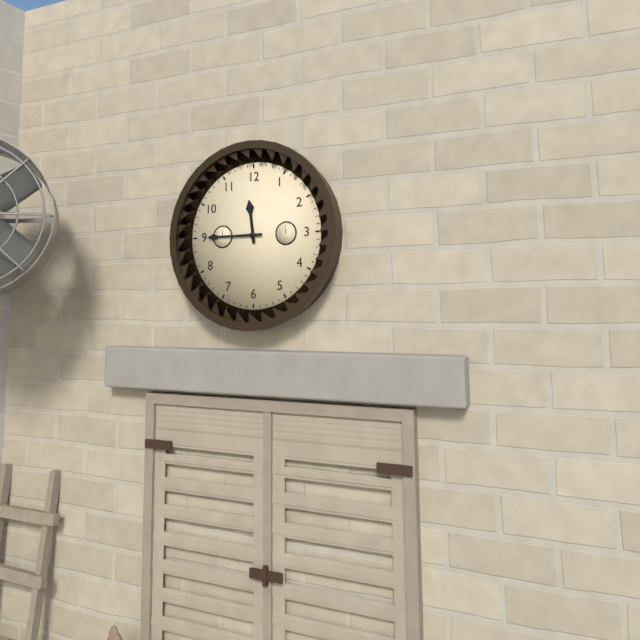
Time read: 11h45
